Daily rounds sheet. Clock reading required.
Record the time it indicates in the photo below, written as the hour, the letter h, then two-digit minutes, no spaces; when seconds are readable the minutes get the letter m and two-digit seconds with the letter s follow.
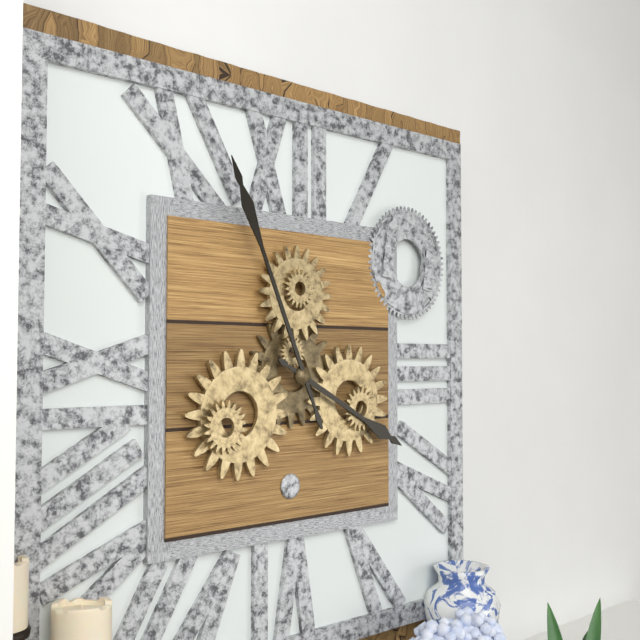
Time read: 3h56
